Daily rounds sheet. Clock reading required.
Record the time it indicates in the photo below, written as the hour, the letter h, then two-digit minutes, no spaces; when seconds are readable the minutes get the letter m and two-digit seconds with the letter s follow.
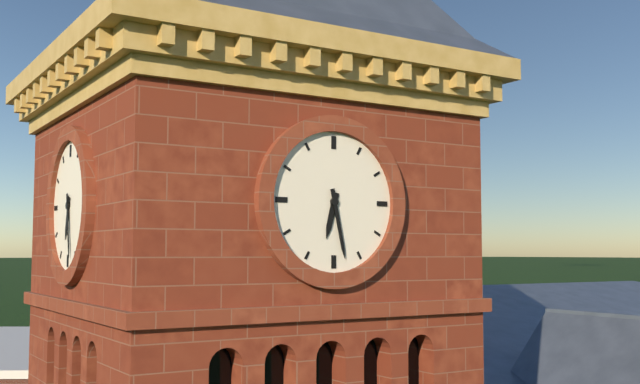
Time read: 6h28
